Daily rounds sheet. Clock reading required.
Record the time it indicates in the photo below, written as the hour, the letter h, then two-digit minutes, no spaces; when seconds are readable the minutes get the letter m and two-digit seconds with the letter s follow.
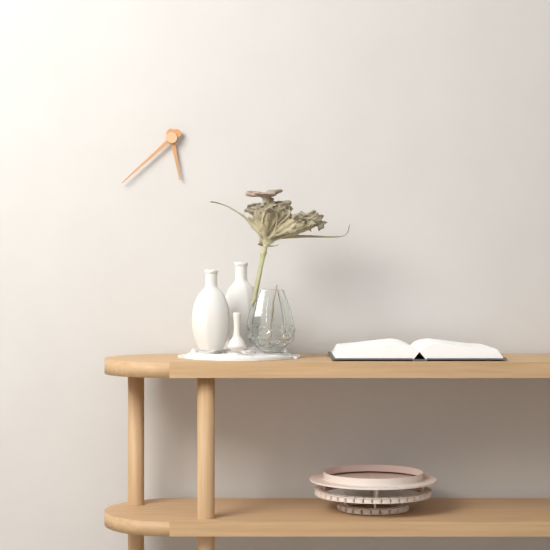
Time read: 5h38
